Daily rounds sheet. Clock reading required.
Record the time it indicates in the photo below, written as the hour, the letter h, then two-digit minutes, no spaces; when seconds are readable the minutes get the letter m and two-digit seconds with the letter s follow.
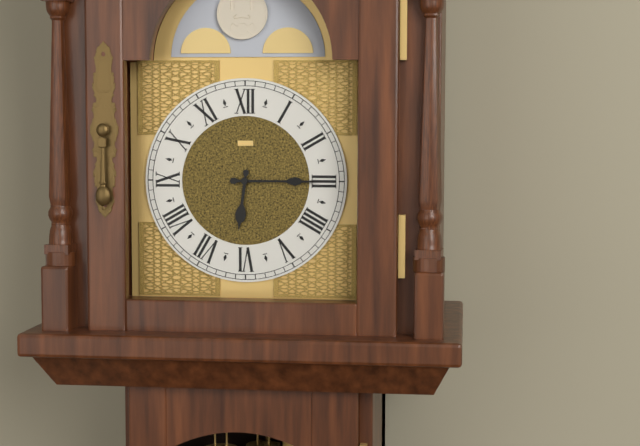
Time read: 6h15
